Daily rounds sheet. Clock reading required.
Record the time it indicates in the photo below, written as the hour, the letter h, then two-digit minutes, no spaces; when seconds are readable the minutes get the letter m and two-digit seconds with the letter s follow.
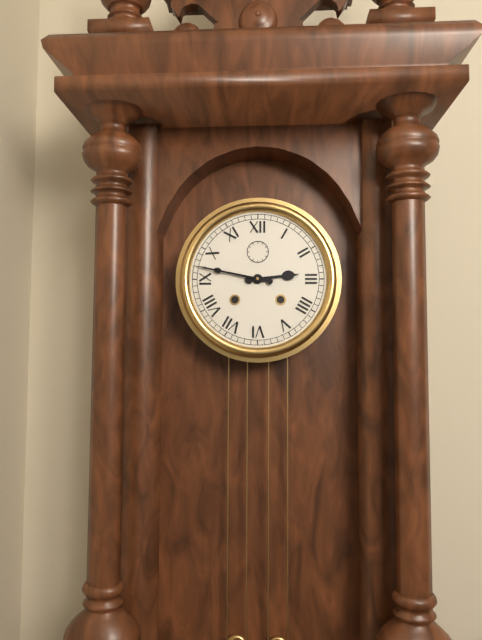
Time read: 2h47
